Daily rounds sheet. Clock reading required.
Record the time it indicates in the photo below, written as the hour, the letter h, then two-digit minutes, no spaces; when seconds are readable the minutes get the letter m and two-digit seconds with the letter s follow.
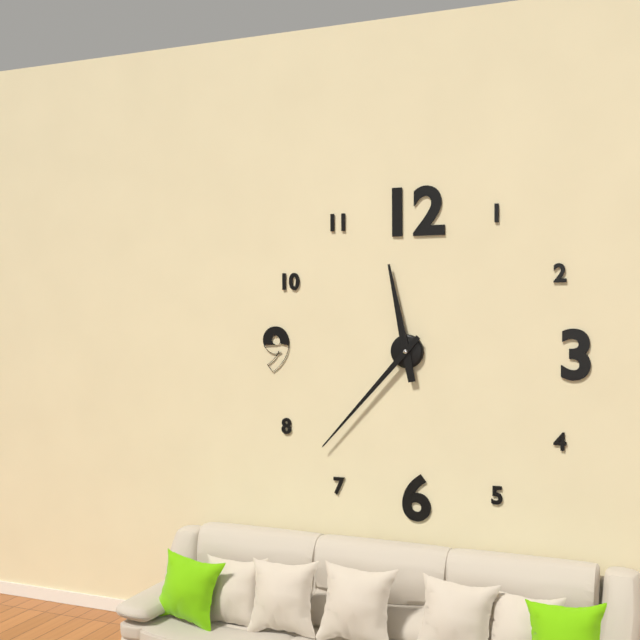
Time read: 11h37
